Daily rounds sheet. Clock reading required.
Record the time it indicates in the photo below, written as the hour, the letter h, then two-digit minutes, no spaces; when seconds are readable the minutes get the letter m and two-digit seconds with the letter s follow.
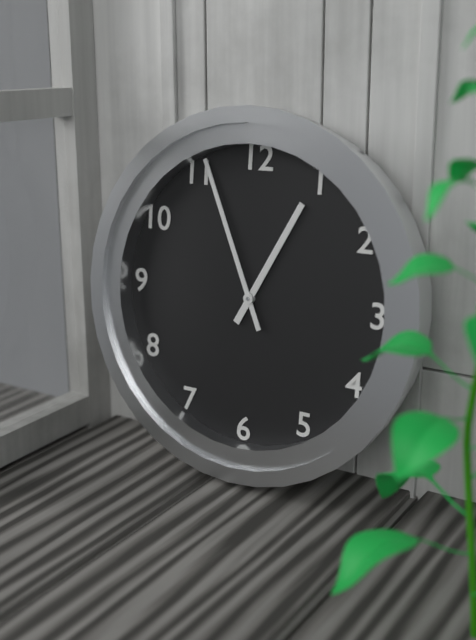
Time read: 12h56
